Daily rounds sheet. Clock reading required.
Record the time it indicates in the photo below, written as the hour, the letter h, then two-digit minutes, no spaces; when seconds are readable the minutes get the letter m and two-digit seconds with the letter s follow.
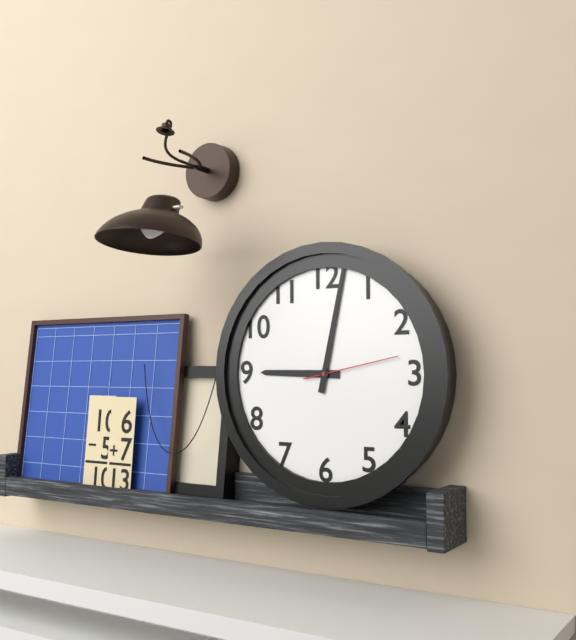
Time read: 9h02m13s
